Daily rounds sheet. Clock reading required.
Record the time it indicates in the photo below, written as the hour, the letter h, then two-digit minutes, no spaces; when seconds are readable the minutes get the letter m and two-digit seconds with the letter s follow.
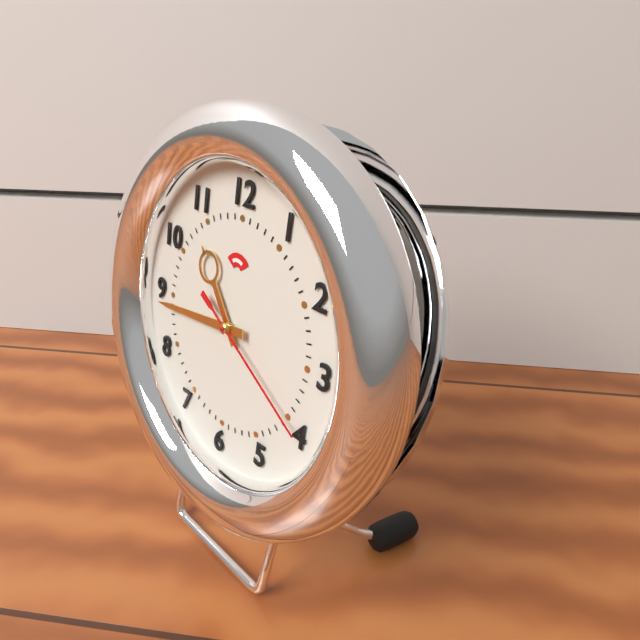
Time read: 10h44m20s
